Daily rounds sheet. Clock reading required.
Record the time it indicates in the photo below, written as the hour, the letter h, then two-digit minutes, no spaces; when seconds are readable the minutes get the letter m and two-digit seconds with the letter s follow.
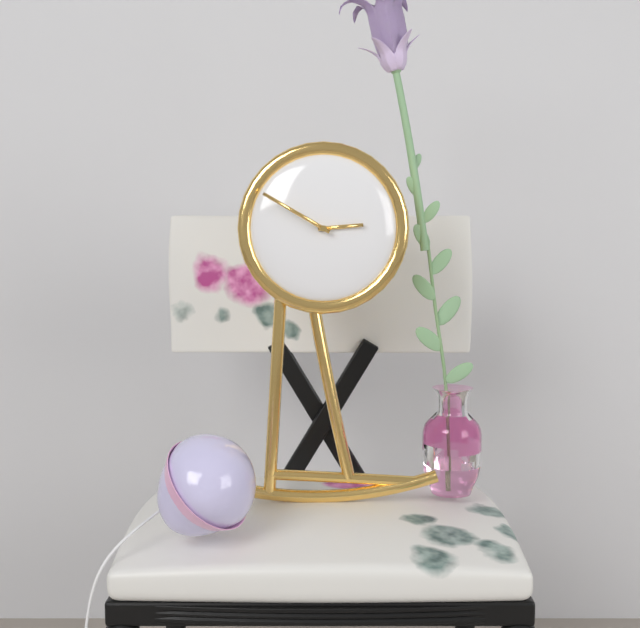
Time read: 2h50
